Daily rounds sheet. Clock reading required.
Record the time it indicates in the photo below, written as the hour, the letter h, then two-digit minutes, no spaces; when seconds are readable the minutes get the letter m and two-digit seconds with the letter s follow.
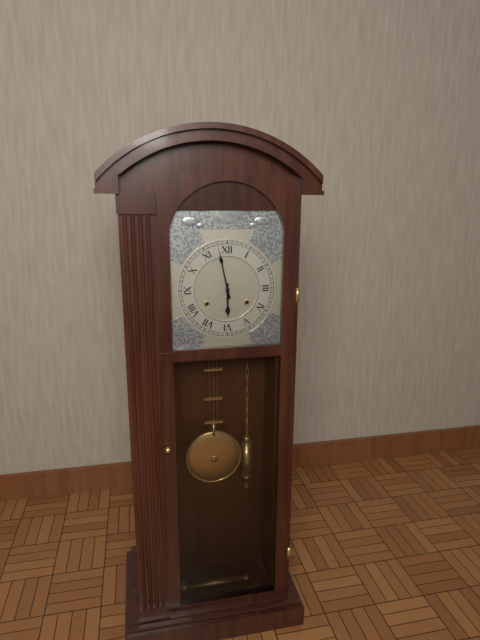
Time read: 5h58
